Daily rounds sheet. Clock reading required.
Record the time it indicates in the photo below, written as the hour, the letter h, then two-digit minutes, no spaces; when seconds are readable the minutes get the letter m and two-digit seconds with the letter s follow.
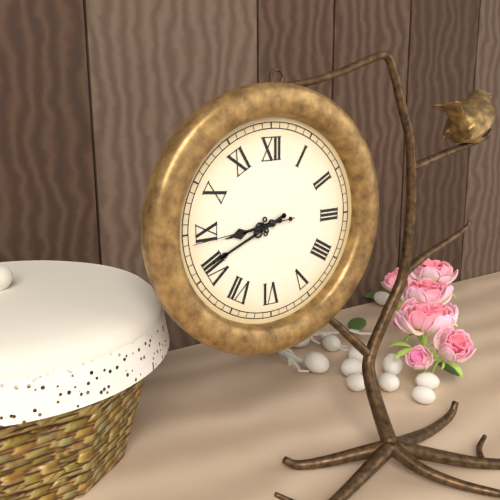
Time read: 8h41m44s
